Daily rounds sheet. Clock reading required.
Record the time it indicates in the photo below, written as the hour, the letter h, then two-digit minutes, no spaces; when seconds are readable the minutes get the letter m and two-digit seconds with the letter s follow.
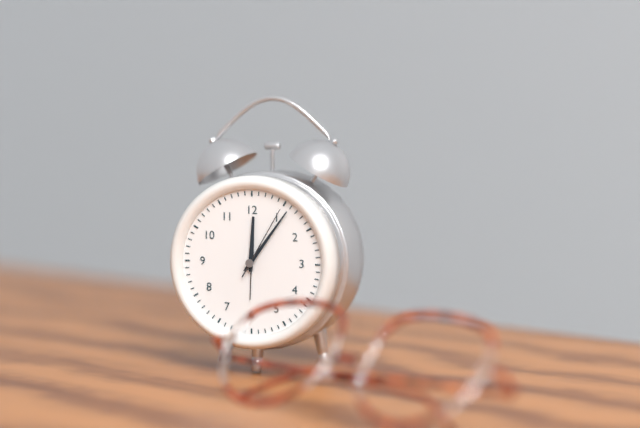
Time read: 12h06m05s
